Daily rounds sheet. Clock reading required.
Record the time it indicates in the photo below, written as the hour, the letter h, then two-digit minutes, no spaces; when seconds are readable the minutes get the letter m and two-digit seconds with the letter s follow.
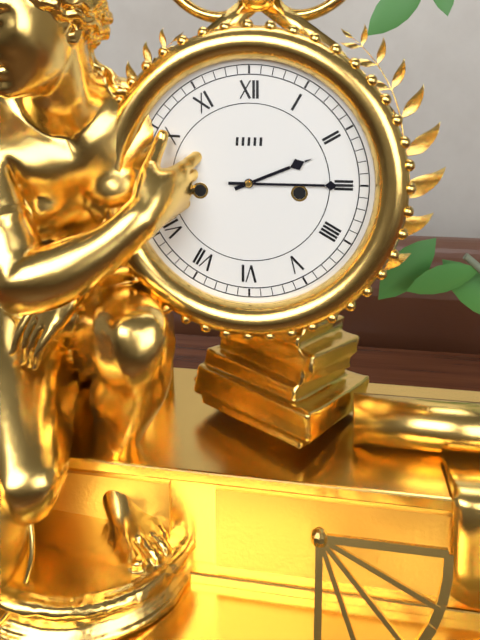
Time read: 2h15
